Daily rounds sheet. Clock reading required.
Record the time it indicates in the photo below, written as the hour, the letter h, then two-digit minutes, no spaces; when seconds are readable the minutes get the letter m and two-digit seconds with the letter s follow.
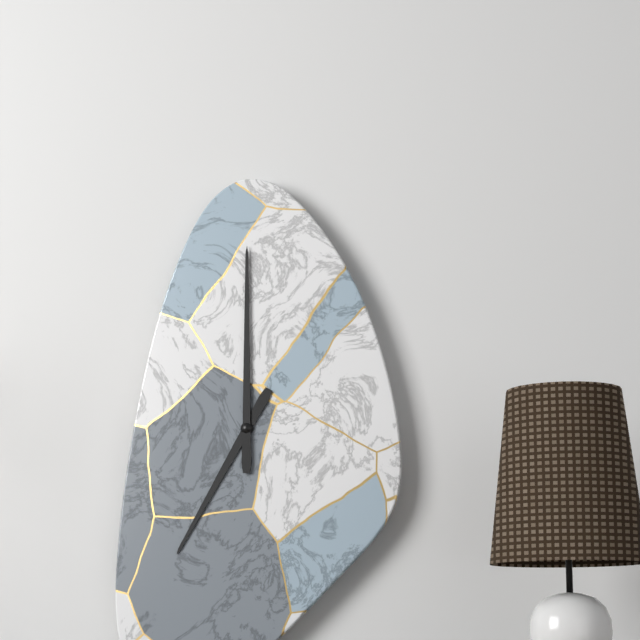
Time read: 7h00
